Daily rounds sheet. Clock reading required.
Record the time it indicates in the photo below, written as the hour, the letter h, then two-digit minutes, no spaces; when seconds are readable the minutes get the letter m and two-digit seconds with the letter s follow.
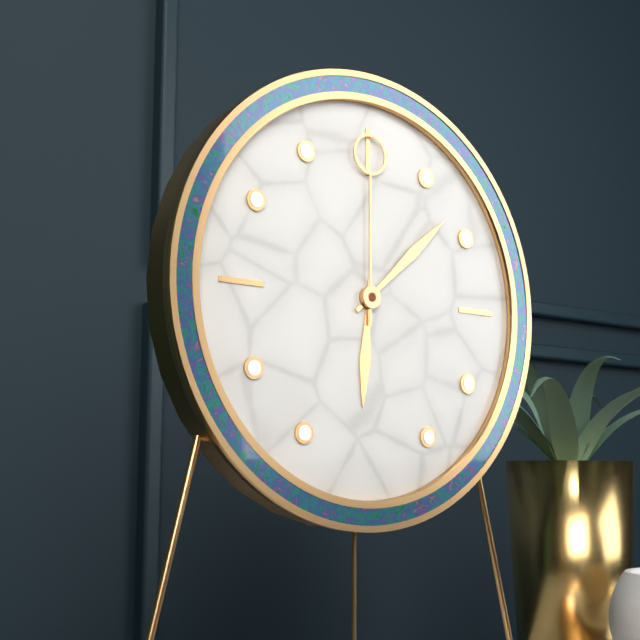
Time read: 6h08m00s
